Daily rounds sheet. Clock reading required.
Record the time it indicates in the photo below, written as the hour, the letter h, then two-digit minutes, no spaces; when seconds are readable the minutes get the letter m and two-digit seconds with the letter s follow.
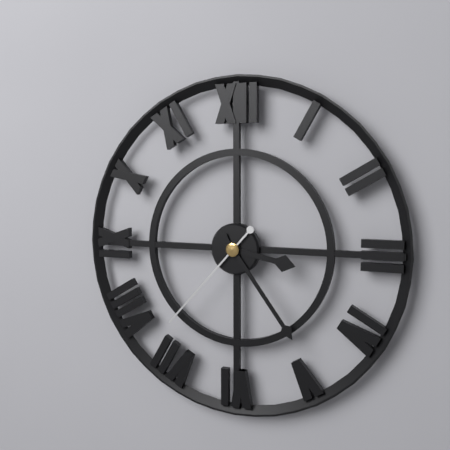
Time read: 3h24m37s
